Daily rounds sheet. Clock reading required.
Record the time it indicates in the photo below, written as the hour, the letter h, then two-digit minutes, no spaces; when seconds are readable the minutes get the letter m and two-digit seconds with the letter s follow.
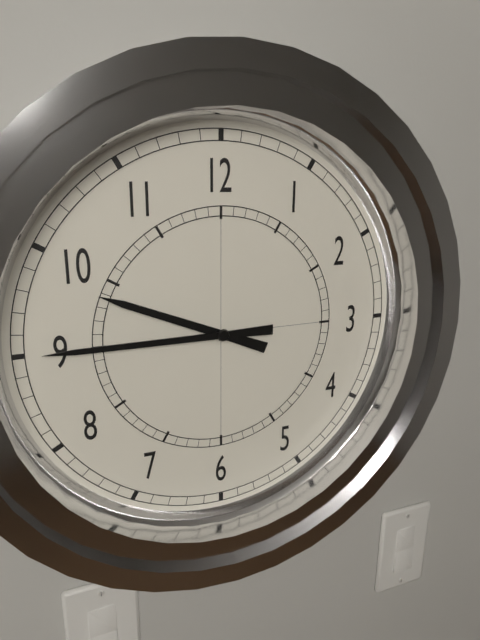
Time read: 9h45
